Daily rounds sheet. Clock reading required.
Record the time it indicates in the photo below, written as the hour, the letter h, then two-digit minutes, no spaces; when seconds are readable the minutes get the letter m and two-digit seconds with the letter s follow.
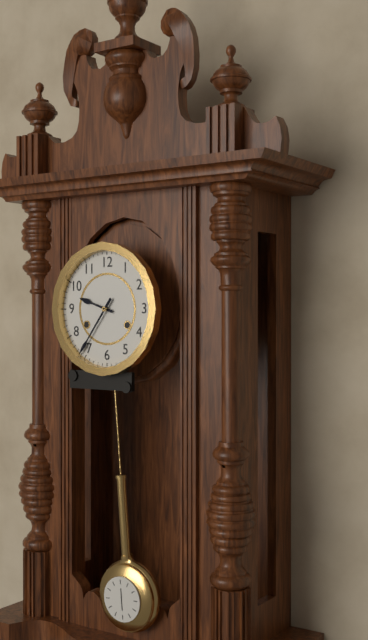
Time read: 9h36
